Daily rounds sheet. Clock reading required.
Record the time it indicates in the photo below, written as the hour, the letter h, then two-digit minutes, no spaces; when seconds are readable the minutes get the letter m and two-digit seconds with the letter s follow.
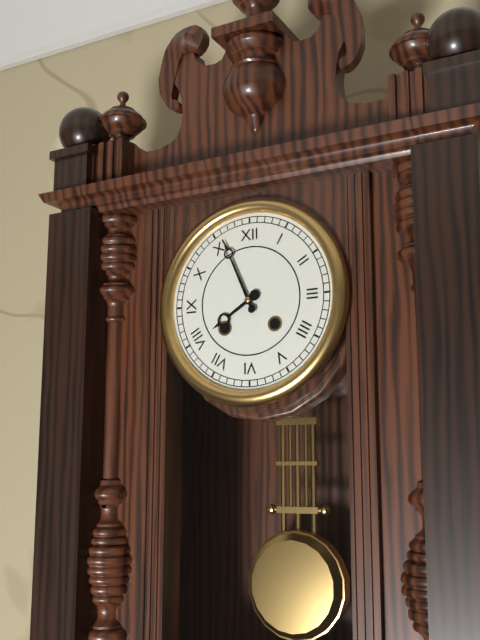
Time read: 7h56
